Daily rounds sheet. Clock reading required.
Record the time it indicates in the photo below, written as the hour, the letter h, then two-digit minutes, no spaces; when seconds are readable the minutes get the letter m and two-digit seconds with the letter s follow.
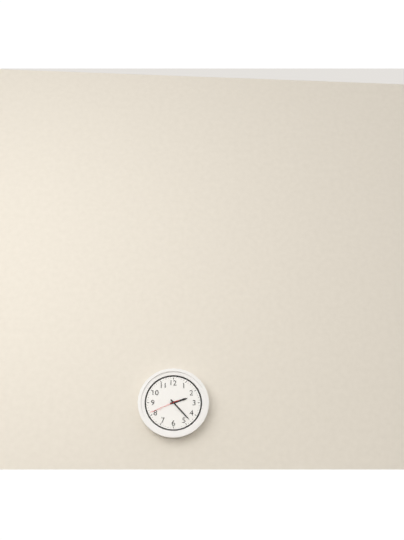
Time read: 2h23
